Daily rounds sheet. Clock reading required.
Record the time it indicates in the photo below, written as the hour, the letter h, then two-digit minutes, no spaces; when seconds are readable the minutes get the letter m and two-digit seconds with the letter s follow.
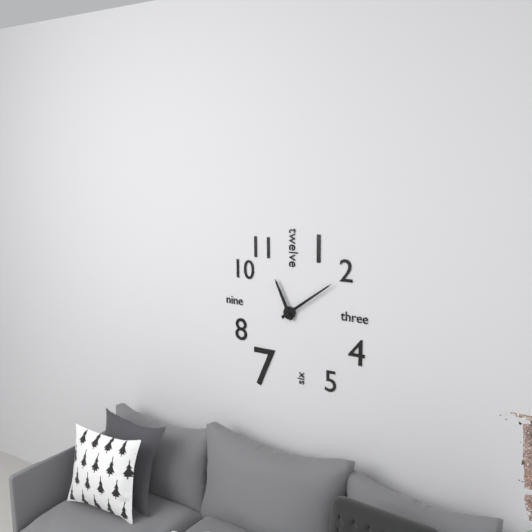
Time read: 11h09
